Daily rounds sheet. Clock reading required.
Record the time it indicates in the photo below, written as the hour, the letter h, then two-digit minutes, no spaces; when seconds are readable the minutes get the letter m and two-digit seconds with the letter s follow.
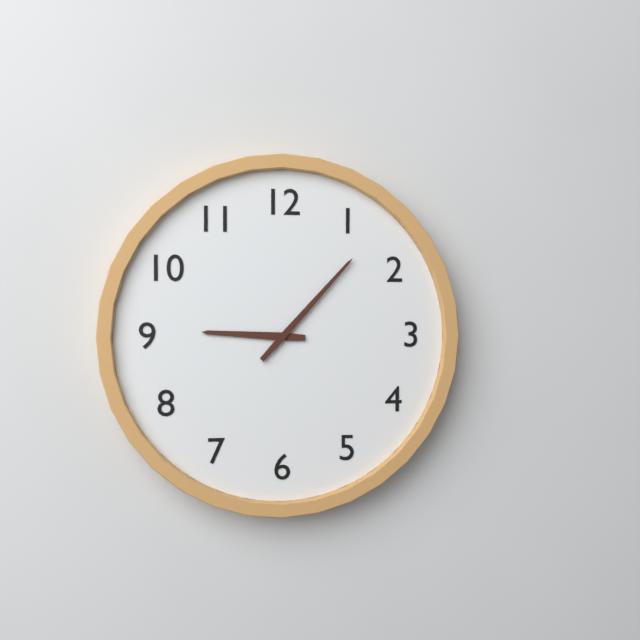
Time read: 9h07
